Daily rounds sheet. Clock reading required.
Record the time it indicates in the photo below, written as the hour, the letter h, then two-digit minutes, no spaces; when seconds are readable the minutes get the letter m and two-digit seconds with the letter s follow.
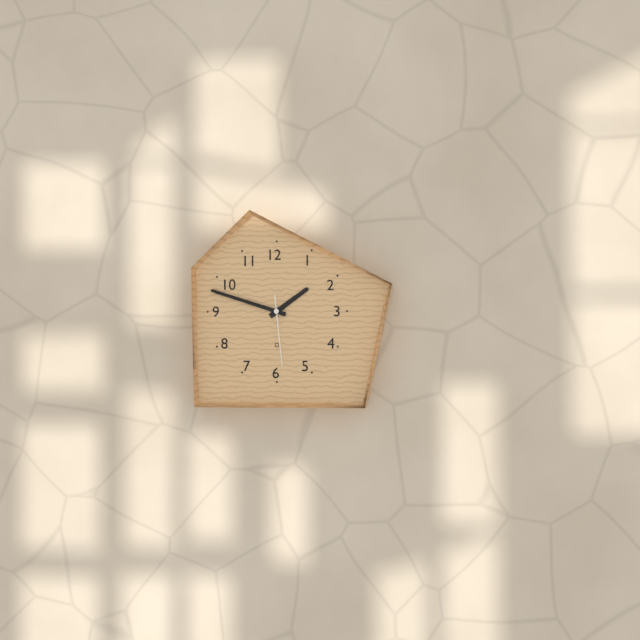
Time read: 1h48m29s
